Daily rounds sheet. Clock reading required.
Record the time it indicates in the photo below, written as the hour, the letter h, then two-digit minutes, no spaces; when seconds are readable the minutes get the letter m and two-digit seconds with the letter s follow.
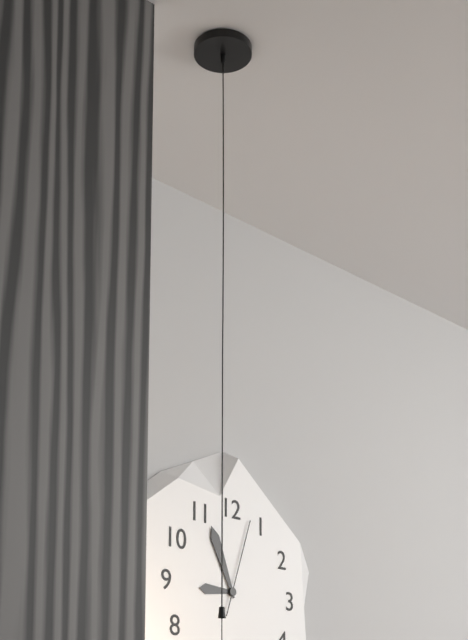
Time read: 8h56m03s
